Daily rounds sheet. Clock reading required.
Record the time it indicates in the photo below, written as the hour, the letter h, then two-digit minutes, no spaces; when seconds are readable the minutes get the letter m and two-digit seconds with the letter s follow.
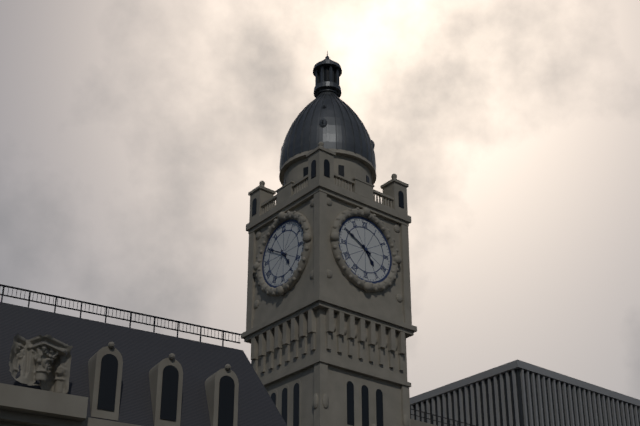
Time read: 4h50
